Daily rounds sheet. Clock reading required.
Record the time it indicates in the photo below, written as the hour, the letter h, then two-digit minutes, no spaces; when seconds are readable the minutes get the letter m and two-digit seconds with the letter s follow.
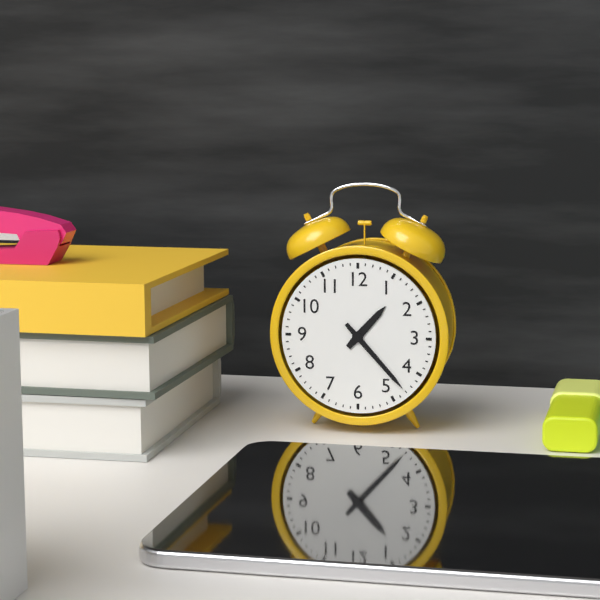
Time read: 1h23
